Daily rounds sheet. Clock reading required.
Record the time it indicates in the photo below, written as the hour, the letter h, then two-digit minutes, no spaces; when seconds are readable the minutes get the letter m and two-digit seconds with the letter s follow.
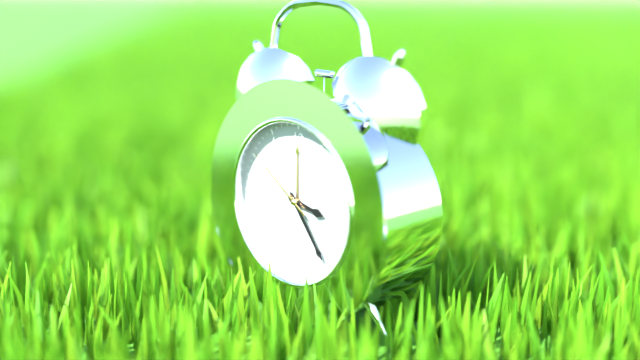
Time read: 3h24m51s
